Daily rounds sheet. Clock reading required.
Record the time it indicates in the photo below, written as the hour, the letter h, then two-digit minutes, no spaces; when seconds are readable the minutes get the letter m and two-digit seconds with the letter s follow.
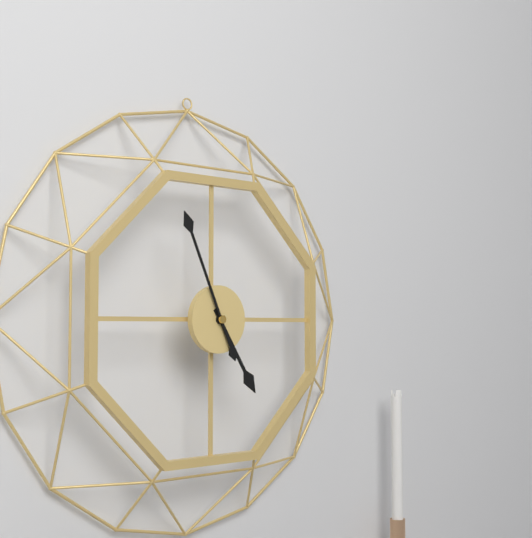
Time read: 4h56
